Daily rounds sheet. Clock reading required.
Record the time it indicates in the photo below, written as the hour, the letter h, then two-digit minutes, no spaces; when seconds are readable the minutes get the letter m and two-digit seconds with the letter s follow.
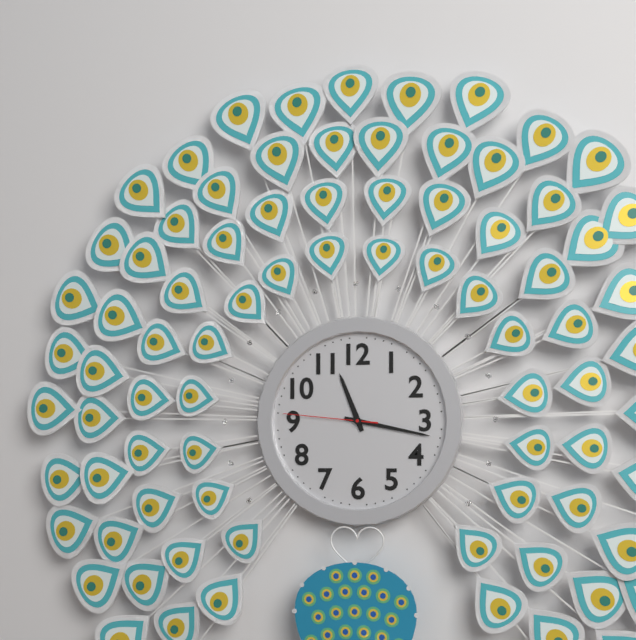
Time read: 11h17m46s
